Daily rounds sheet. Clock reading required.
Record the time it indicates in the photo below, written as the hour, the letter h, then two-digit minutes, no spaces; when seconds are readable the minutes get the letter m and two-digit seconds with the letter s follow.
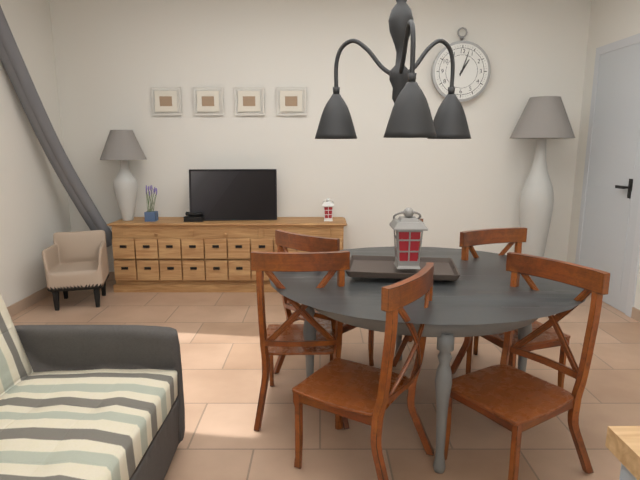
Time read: 1h03
